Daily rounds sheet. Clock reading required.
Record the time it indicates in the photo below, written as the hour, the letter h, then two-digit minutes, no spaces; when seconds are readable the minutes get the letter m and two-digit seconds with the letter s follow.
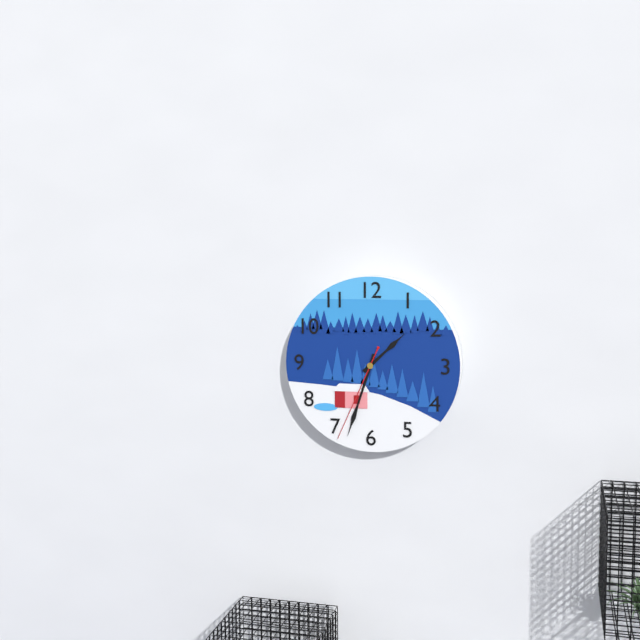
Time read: 1h33m34s
